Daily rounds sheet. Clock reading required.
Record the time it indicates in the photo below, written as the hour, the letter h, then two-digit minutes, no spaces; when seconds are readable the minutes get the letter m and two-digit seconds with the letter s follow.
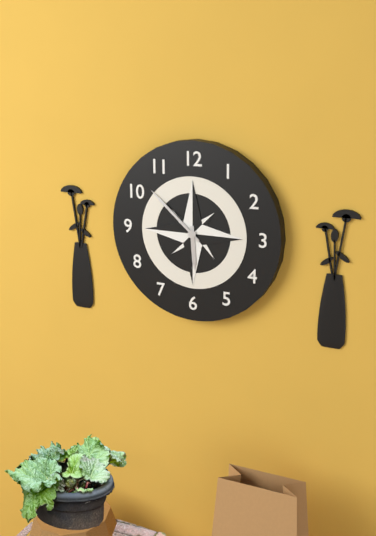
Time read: 5h52
